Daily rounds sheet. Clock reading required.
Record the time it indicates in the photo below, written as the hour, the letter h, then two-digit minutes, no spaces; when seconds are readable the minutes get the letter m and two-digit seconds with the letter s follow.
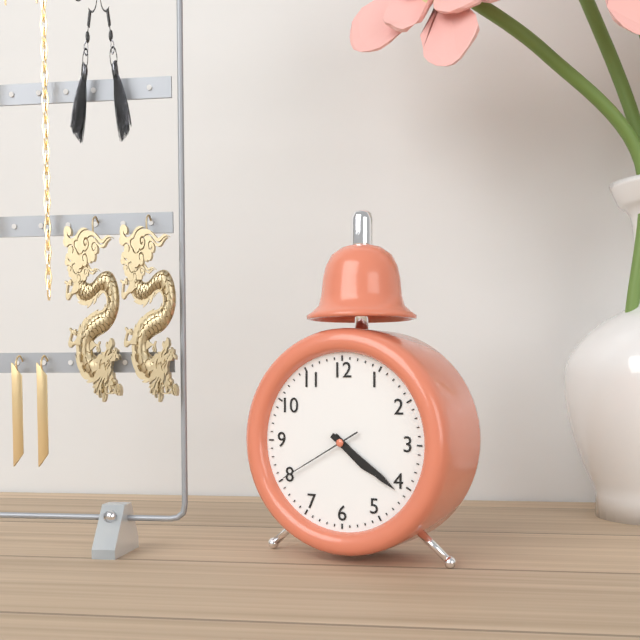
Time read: 4h21m40s
